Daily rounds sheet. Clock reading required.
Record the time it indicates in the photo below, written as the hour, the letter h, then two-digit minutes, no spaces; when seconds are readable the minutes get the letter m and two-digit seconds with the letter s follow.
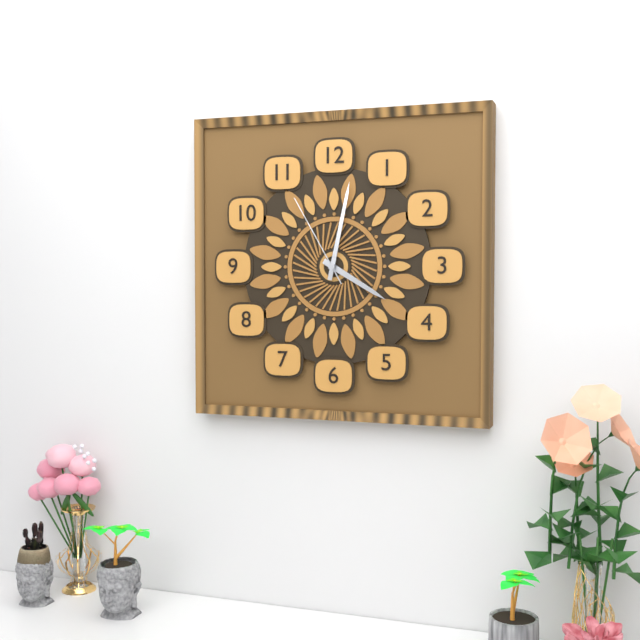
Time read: 4h02m55s
